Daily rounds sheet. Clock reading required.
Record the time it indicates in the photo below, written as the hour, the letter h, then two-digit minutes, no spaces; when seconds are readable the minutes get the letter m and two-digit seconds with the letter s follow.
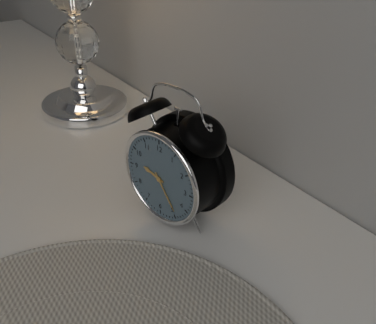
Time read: 9h24
